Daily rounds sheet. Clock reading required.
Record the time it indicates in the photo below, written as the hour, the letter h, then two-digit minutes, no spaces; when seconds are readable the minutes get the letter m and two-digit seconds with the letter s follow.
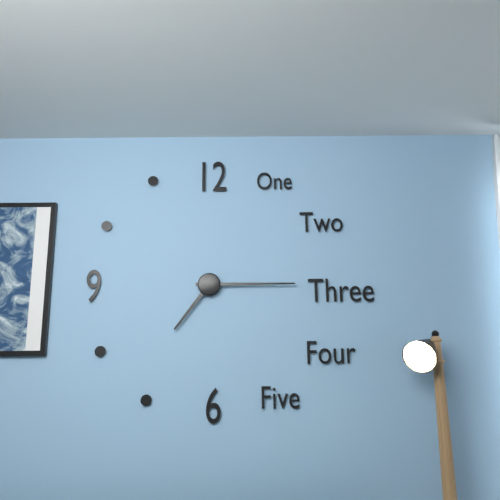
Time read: 7h15
